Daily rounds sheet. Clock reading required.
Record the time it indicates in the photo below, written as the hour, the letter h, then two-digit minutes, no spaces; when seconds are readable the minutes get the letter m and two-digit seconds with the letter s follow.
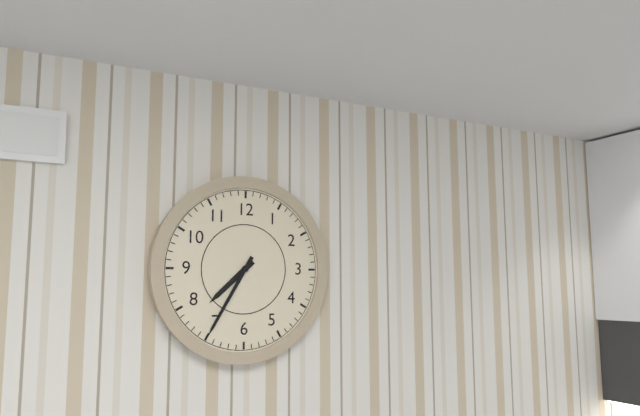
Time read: 7h35
